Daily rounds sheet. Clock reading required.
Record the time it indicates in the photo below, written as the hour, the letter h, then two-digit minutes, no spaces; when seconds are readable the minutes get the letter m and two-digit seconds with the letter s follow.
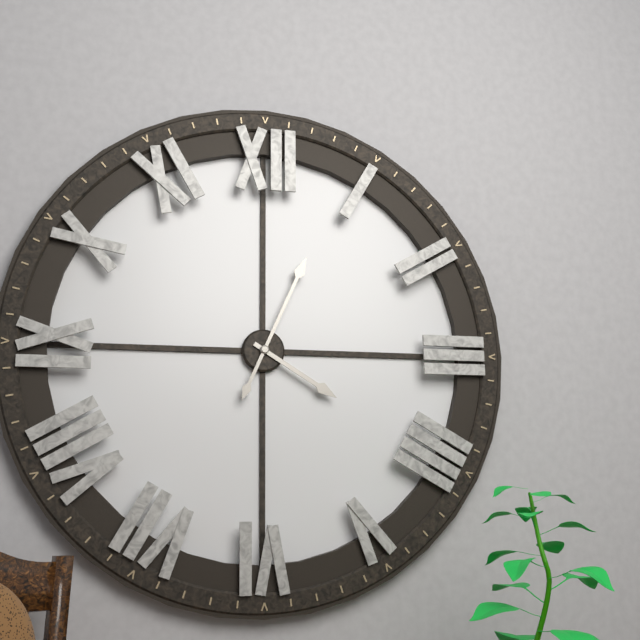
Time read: 4h04
